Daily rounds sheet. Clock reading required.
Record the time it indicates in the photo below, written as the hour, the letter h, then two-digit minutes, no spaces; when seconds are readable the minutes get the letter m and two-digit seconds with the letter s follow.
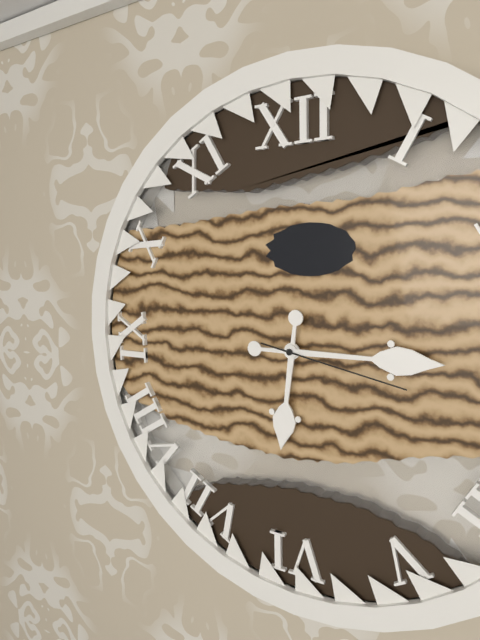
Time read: 6h15m17s
